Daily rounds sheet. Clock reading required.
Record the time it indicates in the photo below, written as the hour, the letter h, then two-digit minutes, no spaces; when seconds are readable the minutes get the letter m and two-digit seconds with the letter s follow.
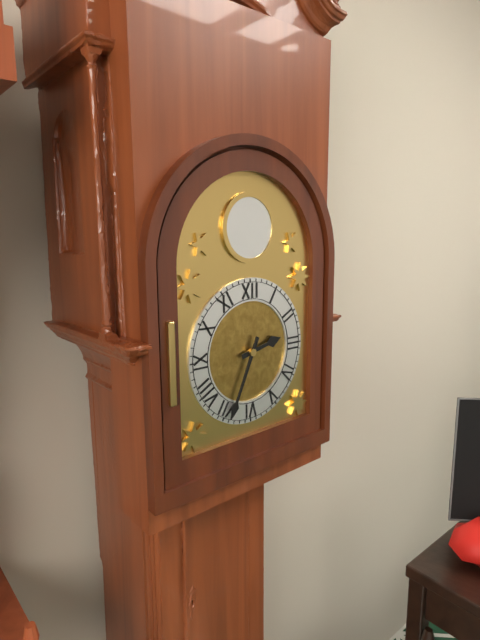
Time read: 2h34
